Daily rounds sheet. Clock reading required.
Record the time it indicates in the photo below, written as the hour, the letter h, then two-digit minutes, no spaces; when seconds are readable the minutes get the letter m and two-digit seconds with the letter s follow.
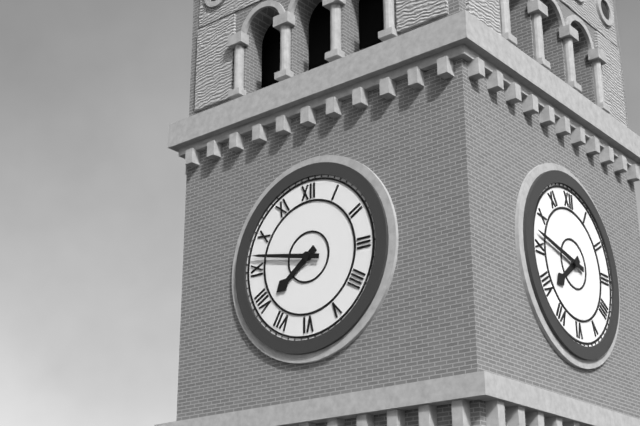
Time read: 7h47
